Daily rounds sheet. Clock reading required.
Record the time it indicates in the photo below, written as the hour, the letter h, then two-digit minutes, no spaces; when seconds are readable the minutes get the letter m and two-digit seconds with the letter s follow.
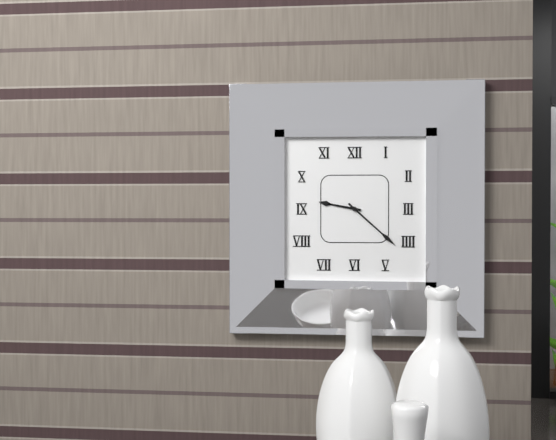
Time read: 9h22
